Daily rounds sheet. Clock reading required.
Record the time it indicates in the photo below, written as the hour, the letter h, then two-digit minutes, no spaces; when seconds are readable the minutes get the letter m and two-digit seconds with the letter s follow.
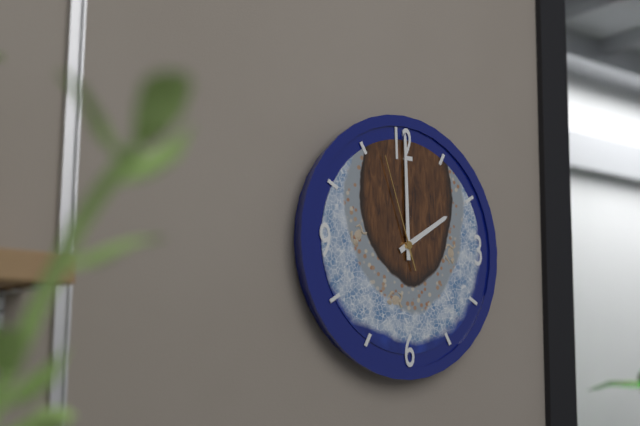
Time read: 2h00m57s
